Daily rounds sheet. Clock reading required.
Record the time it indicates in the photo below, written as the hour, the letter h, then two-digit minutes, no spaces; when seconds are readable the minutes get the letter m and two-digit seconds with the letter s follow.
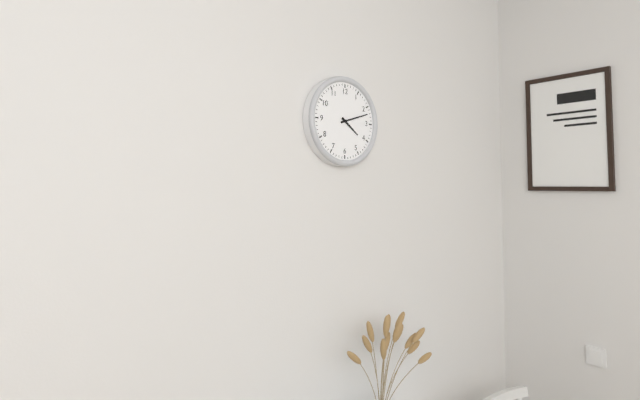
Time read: 4h12
